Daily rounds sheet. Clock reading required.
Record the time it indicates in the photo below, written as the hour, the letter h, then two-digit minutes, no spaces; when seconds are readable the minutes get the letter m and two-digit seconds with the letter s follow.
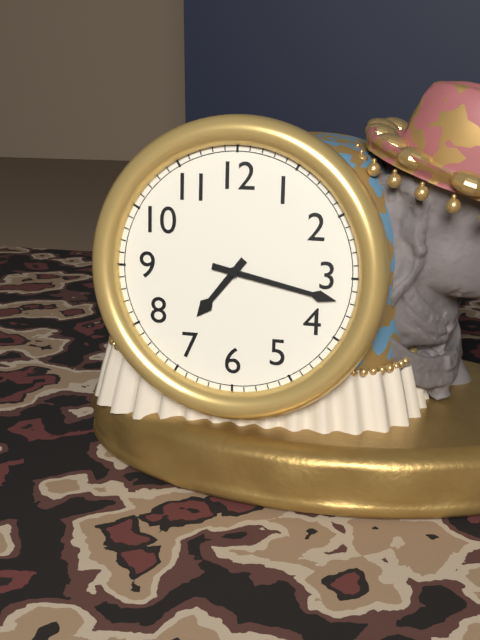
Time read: 7h17
